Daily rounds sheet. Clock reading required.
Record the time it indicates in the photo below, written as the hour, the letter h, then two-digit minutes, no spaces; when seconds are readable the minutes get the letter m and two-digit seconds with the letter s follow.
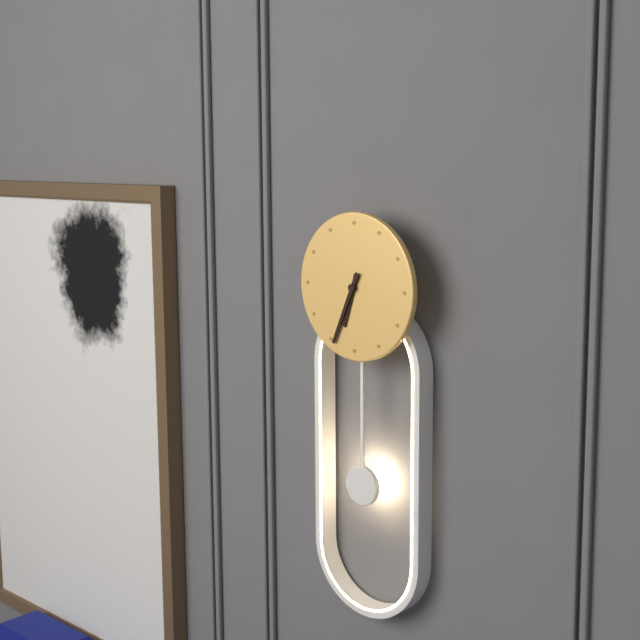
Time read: 6h34
